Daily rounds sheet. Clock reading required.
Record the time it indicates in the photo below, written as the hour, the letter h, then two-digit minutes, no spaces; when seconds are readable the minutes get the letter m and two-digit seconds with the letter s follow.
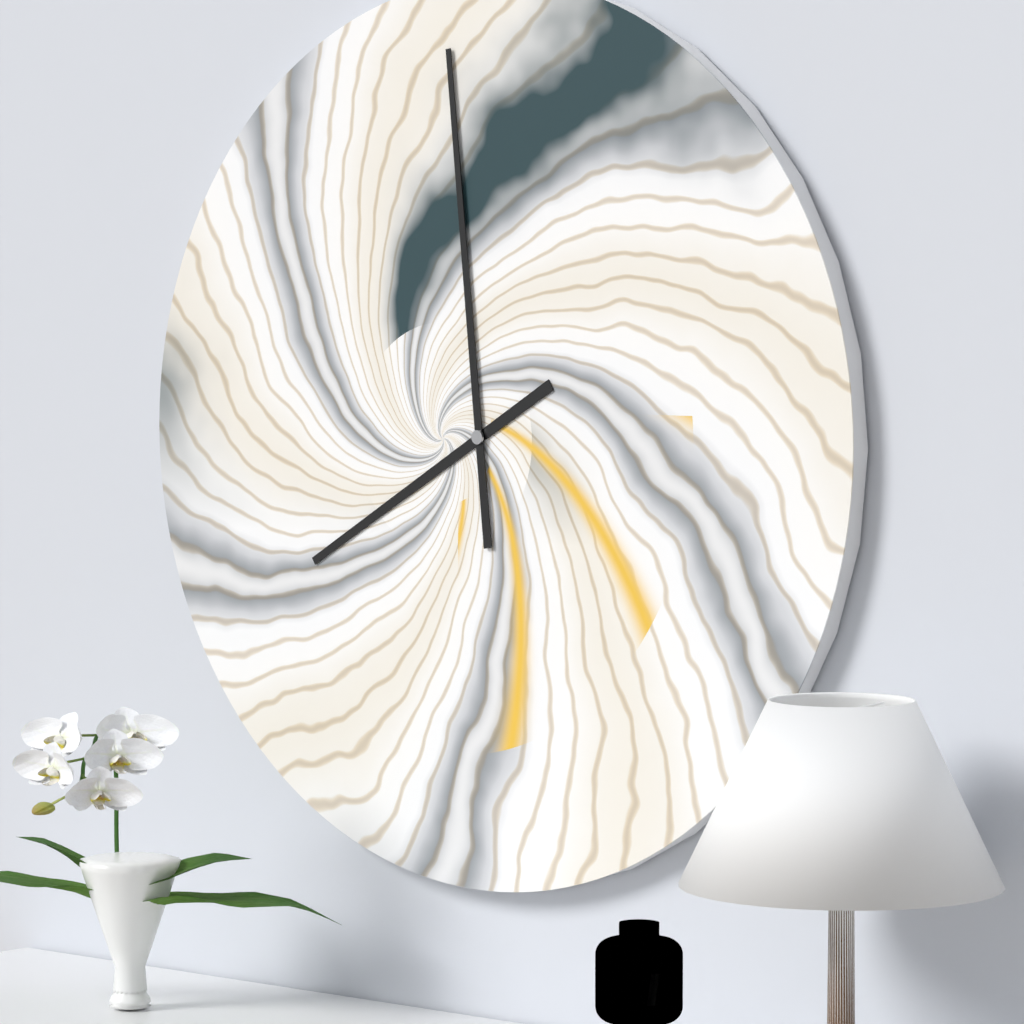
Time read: 7h59
